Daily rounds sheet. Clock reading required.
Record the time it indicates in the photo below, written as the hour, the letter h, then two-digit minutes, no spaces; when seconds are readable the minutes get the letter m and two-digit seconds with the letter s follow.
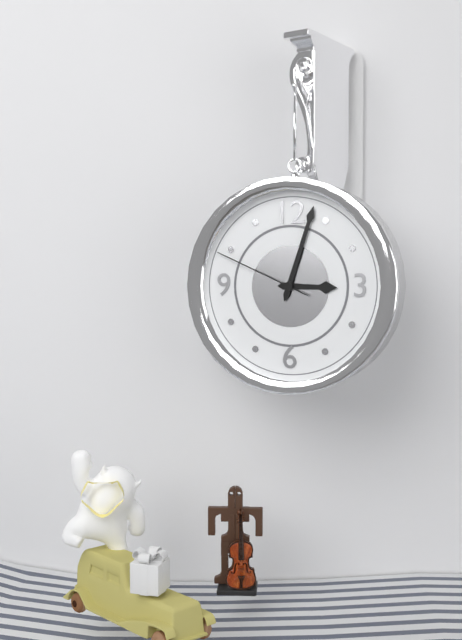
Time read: 3h03m49s
